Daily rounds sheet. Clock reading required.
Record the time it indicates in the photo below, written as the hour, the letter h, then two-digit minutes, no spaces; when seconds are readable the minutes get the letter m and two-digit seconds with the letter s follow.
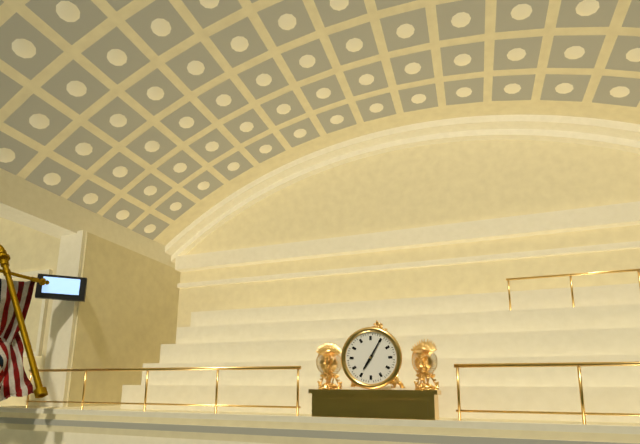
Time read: 7h05
